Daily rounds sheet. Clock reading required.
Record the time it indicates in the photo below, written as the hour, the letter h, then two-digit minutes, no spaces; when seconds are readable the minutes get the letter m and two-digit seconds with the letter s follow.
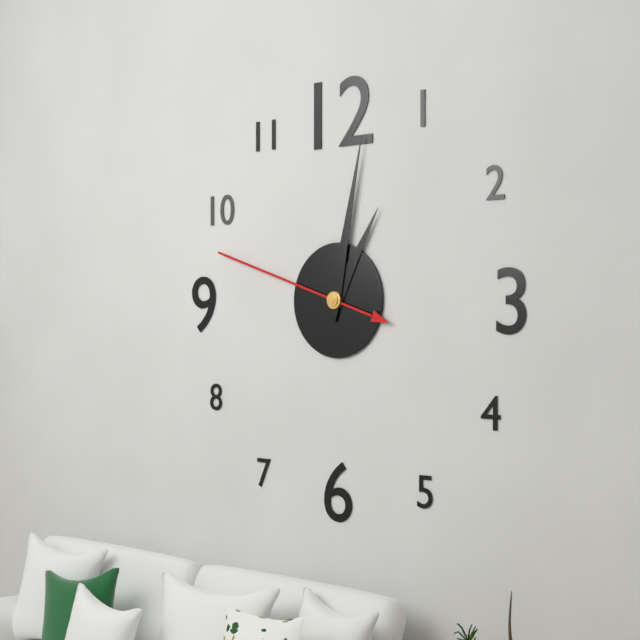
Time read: 1h02m48s
